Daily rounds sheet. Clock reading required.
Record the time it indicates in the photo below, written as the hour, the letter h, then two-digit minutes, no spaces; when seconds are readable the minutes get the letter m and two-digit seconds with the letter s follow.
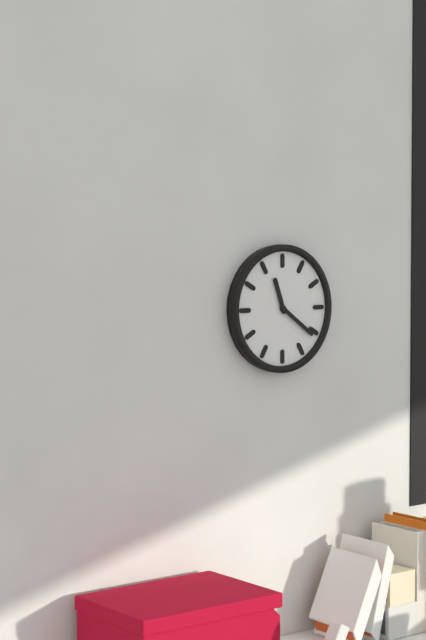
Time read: 11h21
